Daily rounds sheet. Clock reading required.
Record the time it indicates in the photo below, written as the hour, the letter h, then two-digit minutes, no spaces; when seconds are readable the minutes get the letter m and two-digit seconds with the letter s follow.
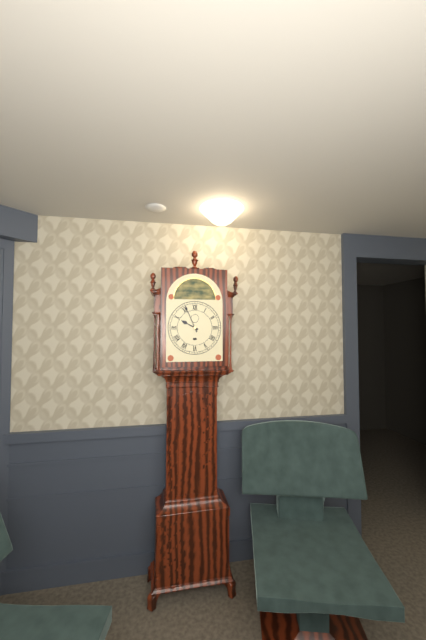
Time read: 9h56
